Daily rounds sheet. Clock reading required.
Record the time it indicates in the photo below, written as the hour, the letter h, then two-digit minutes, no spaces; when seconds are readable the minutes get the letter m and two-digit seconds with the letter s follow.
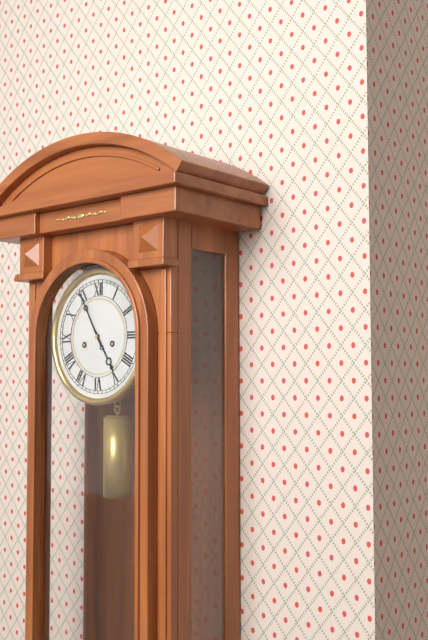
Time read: 4h55
